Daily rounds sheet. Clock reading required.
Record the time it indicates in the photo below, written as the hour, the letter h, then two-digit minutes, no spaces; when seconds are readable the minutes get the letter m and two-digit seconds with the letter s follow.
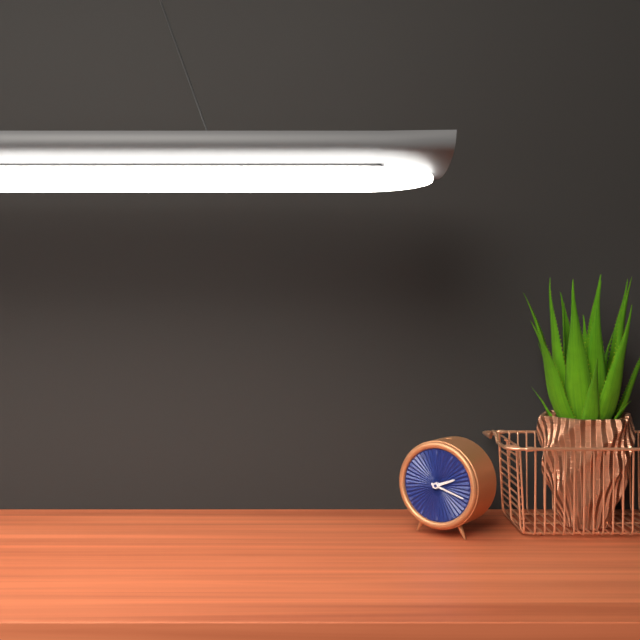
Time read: 2h18
